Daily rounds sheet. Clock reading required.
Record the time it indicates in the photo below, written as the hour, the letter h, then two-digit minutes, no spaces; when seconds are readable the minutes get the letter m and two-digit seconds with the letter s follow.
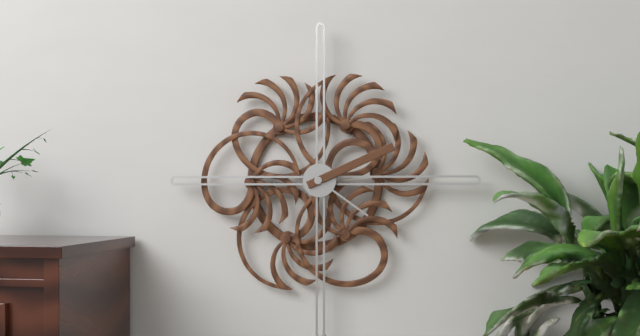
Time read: 4h11
